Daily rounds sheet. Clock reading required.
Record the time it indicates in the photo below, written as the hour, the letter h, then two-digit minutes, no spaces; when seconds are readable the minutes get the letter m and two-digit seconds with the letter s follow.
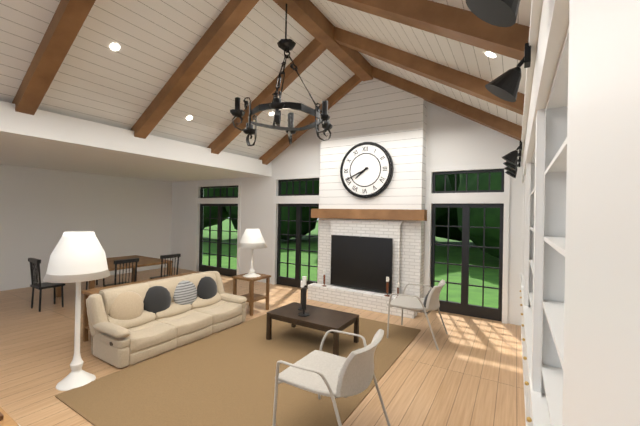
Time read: 7h41
